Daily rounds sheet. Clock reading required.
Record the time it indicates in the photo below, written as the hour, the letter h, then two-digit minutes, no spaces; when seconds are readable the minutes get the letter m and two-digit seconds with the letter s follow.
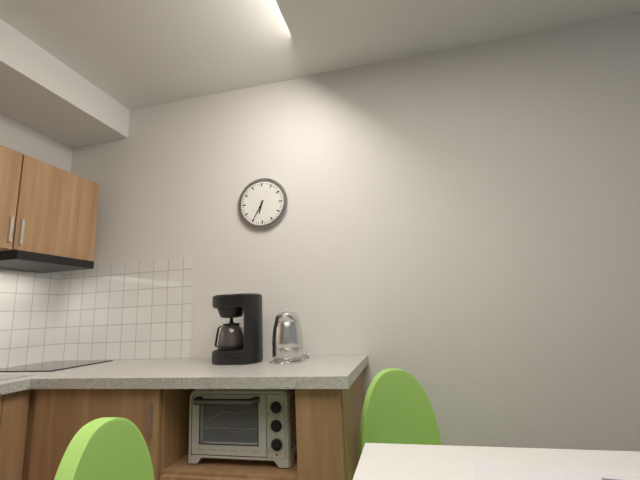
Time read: 6h35
